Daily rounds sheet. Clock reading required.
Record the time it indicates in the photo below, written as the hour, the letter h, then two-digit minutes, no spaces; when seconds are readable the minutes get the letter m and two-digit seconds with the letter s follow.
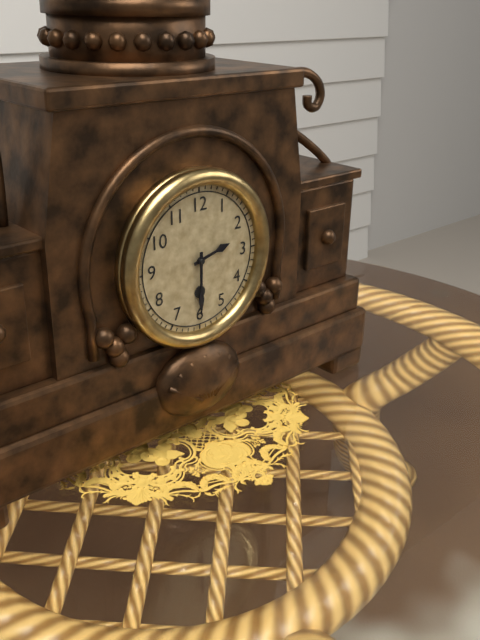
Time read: 2h30
